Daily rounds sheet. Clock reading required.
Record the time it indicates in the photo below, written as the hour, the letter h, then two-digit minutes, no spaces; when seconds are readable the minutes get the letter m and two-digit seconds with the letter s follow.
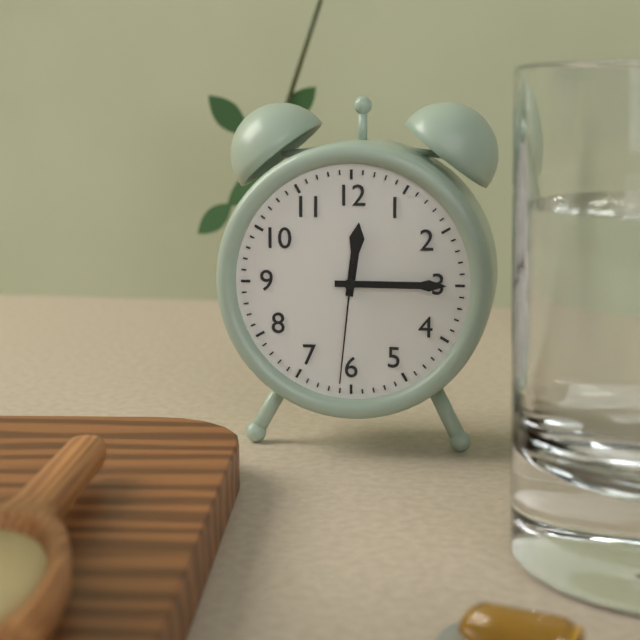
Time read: 12h15m31s
